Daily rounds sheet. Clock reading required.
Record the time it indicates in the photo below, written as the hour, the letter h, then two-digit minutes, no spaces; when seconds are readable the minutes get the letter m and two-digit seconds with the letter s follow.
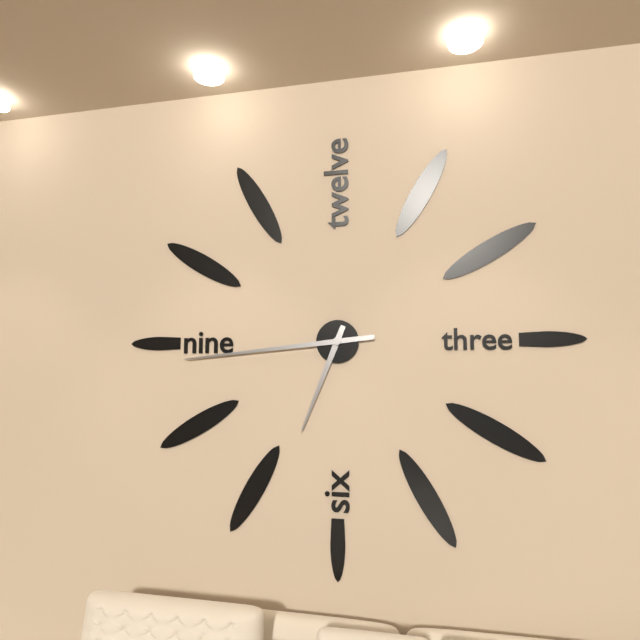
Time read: 6h44
